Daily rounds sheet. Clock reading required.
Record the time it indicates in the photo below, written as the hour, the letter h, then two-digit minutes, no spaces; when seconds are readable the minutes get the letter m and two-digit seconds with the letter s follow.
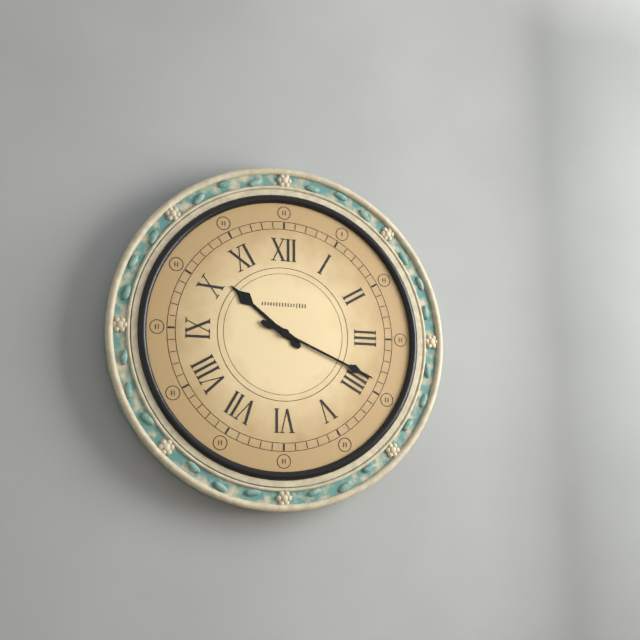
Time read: 10h19
